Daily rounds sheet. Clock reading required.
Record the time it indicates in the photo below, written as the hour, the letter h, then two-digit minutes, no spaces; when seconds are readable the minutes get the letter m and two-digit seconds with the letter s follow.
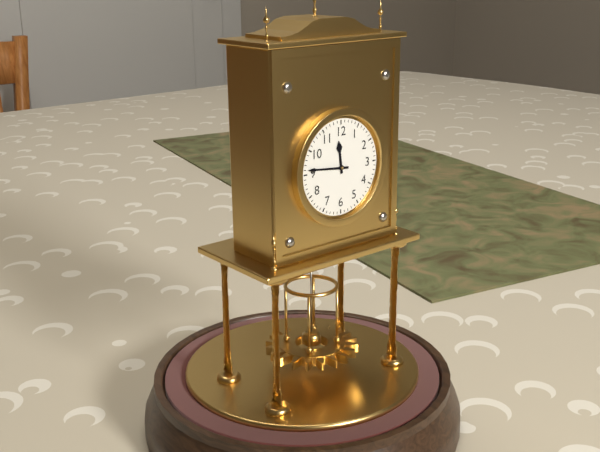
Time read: 11h46
